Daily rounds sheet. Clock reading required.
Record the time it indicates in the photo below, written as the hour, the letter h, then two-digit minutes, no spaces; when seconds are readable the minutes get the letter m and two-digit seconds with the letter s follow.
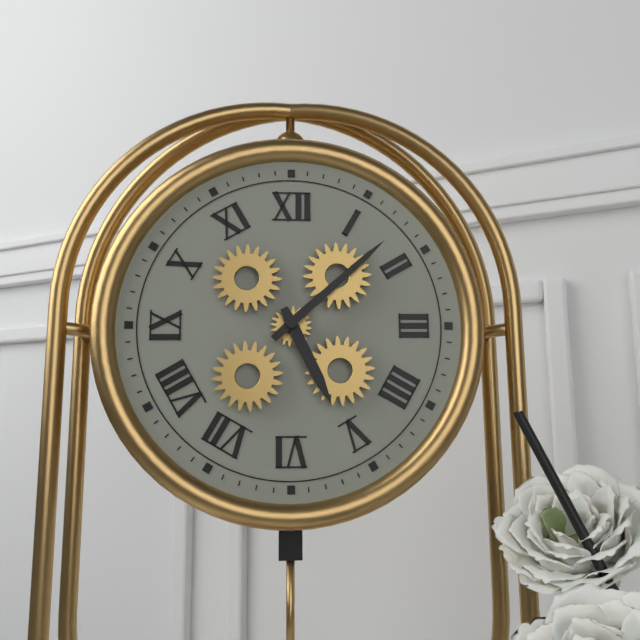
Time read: 5h08
